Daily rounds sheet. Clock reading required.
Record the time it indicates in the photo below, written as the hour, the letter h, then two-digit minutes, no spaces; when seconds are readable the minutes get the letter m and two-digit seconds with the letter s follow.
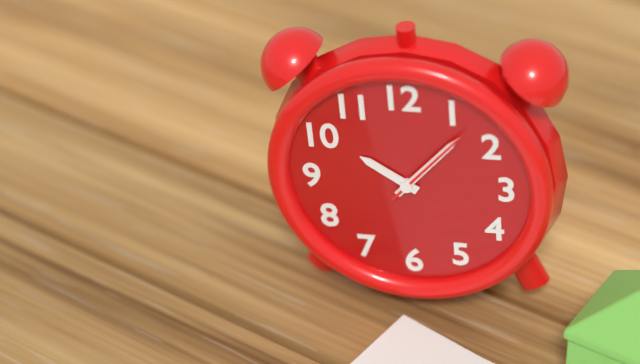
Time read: 10h07m07s
